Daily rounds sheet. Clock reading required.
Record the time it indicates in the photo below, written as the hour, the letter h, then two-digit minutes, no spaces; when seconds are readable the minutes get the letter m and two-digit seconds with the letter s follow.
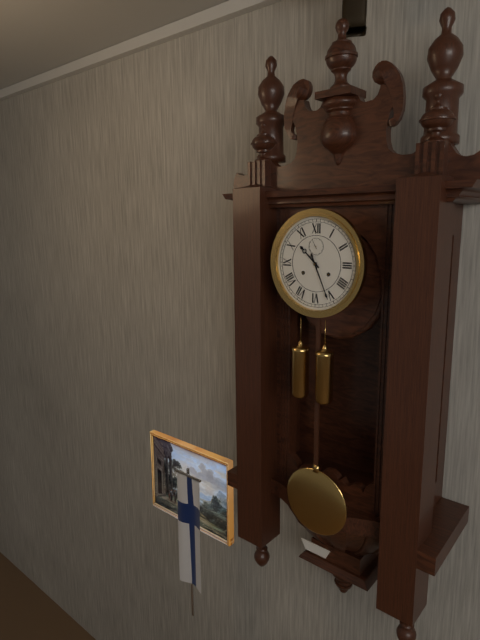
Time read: 10h26
